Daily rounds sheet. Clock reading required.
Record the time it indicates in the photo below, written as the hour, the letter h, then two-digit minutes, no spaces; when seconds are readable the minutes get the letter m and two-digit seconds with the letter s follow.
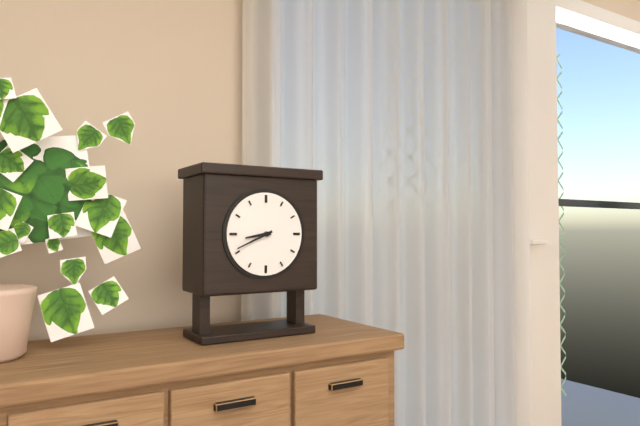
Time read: 8h41
